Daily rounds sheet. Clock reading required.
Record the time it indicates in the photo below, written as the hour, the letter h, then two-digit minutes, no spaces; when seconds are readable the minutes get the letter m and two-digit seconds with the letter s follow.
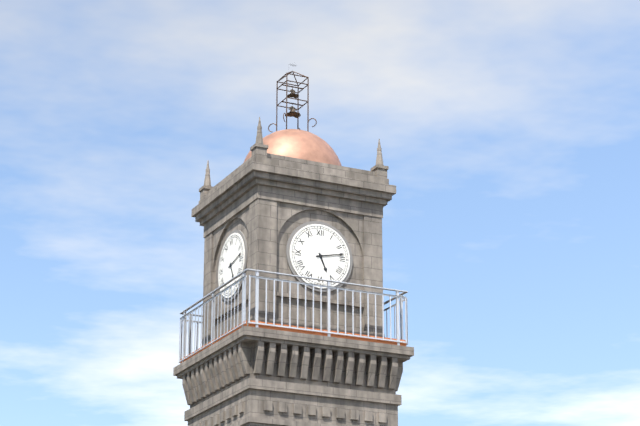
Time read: 5h13
